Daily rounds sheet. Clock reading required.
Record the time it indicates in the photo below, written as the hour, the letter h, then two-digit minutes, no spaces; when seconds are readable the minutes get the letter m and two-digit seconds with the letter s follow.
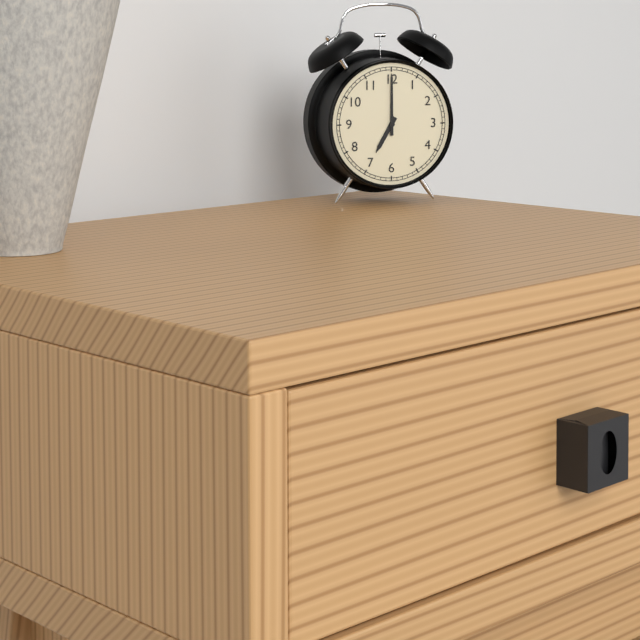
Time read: 7h00
